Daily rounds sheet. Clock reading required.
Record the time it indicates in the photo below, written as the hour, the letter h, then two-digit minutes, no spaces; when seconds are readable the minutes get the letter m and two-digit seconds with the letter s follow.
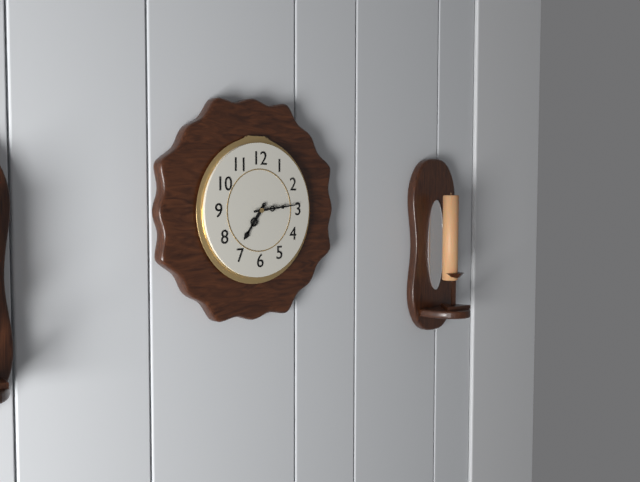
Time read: 7h14
